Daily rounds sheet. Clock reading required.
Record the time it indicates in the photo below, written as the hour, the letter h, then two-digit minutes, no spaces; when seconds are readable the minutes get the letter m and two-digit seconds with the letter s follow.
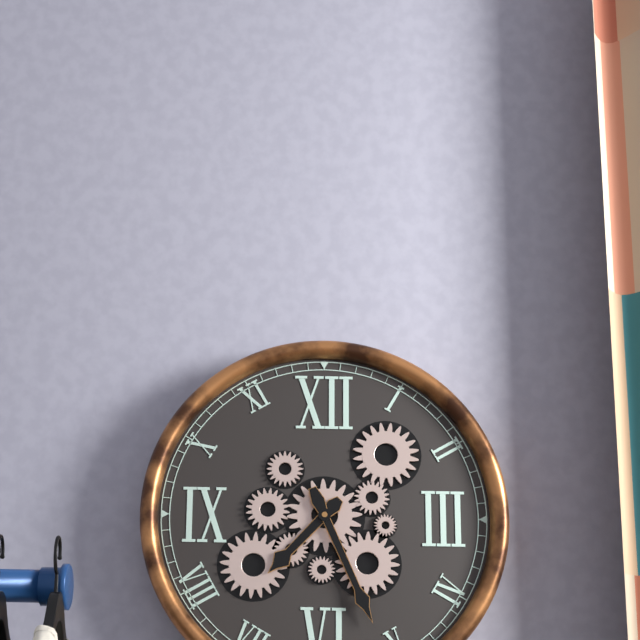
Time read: 7h26
